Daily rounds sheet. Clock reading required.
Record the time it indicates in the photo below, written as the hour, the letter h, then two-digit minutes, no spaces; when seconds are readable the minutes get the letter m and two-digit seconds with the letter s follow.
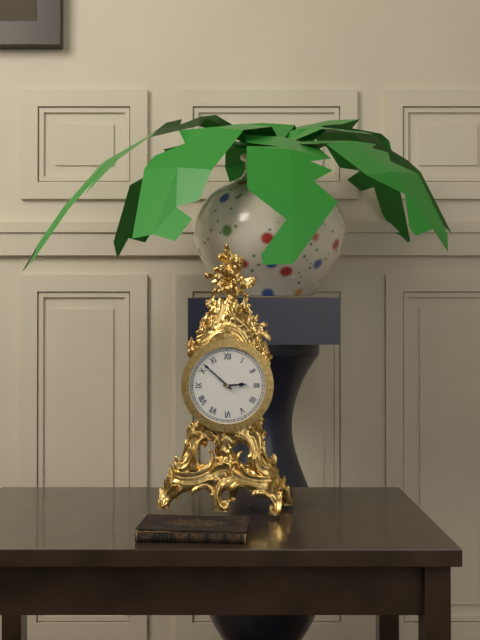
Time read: 2h52
